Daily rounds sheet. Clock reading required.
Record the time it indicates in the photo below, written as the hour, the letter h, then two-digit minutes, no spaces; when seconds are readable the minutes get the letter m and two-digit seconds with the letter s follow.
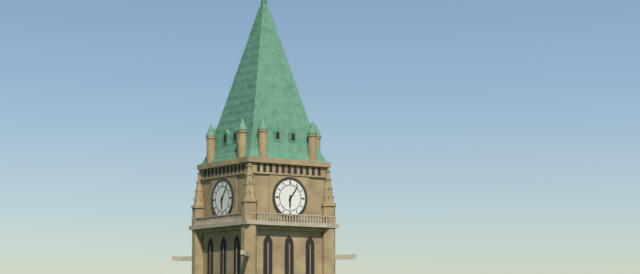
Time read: 6h06
